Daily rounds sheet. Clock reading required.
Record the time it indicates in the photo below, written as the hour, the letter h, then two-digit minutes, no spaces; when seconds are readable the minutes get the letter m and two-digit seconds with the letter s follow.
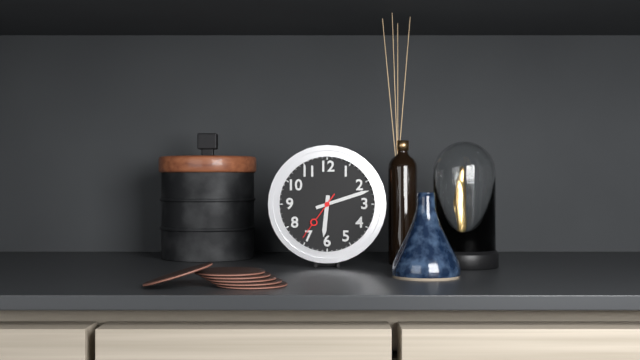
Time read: 6h12m36s
